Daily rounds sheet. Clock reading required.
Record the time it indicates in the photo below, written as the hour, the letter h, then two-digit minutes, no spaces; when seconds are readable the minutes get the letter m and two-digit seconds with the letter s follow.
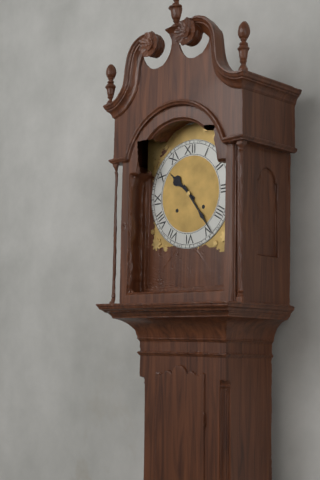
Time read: 10h24
